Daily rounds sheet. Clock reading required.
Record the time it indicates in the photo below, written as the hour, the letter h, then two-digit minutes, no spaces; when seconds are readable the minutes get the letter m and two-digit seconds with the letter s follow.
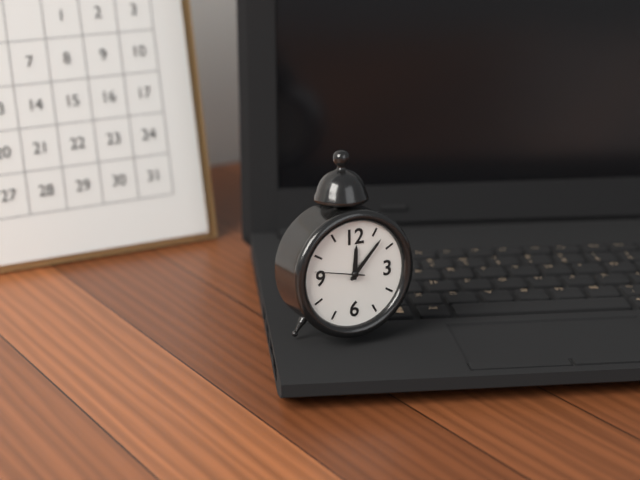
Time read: 12h07m47s
